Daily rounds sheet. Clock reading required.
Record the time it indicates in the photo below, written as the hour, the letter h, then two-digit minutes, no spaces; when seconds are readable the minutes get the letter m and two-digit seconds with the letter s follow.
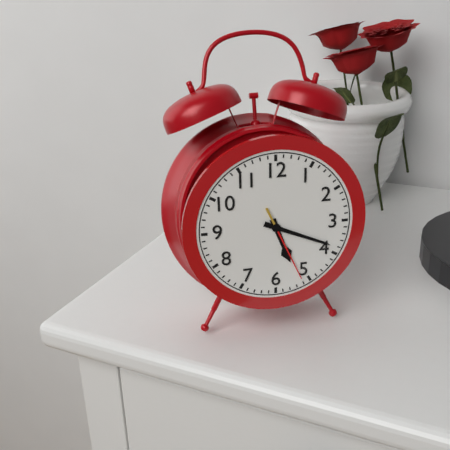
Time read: 5h19m26s
